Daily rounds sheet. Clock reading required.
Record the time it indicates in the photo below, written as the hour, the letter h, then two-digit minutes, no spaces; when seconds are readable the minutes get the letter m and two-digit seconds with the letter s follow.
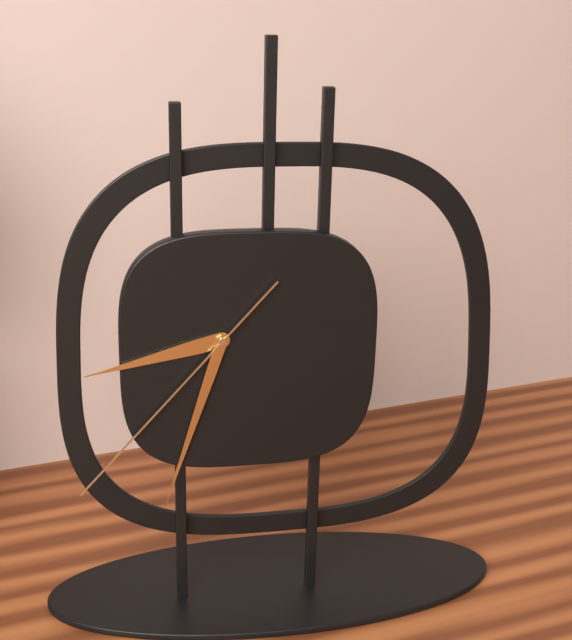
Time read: 8h33m37s
